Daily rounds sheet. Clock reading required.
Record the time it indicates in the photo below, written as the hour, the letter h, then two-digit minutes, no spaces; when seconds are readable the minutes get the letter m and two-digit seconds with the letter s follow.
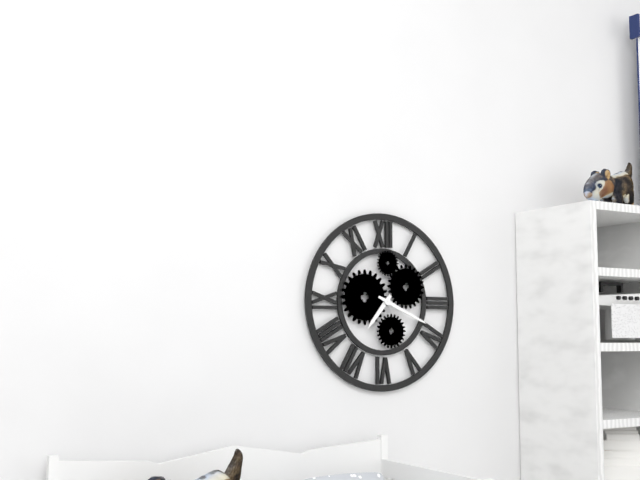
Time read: 7h19
